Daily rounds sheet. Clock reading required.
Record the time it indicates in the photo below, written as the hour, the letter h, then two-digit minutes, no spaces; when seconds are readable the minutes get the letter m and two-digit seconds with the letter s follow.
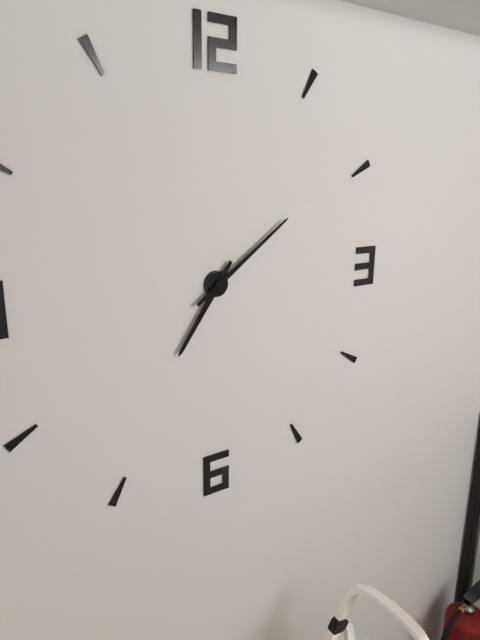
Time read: 7h09
